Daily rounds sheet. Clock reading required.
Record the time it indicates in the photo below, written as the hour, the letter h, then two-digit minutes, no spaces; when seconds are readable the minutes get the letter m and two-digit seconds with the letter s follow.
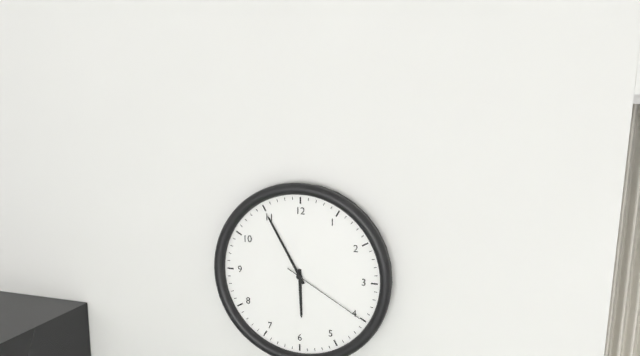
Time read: 5h55m20s
